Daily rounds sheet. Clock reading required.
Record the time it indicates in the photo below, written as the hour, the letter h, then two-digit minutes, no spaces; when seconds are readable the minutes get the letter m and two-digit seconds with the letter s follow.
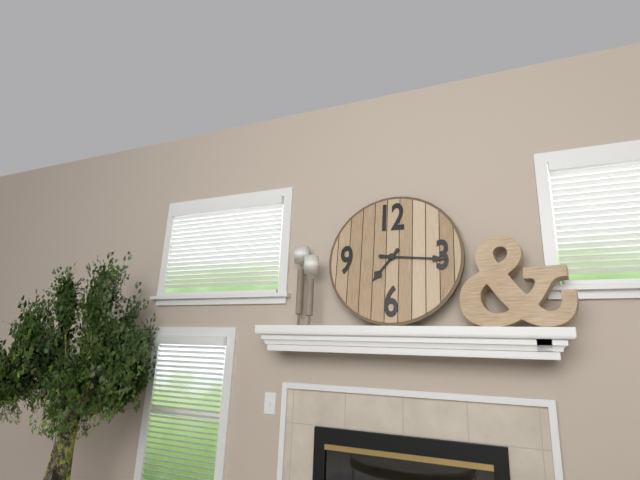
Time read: 7h16
